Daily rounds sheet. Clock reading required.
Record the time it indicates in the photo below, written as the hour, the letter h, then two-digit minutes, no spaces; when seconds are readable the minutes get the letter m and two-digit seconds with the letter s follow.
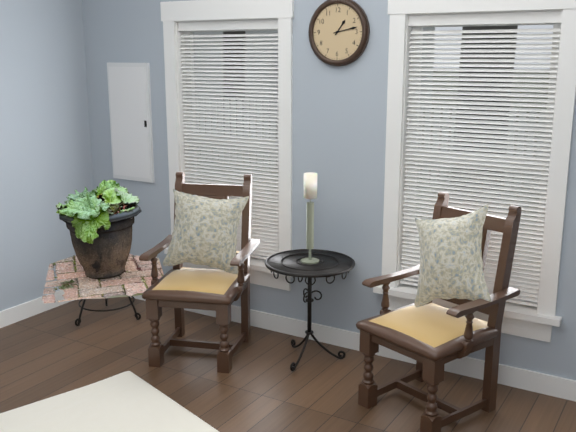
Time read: 1h13
